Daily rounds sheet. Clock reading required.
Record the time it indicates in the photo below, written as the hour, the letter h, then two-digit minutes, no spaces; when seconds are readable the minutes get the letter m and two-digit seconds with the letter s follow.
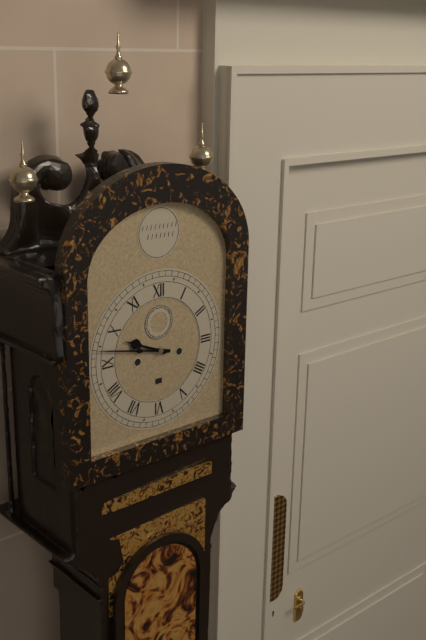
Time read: 9h47
